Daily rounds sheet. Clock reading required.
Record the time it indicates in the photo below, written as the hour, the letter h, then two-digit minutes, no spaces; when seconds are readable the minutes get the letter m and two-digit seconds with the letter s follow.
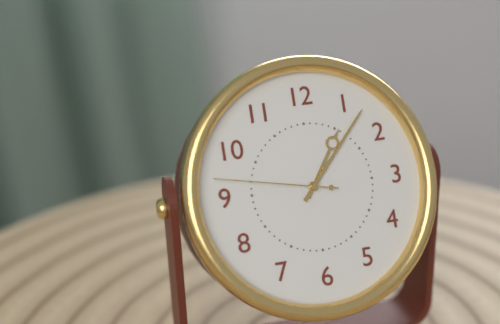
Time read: 1h07m47s
